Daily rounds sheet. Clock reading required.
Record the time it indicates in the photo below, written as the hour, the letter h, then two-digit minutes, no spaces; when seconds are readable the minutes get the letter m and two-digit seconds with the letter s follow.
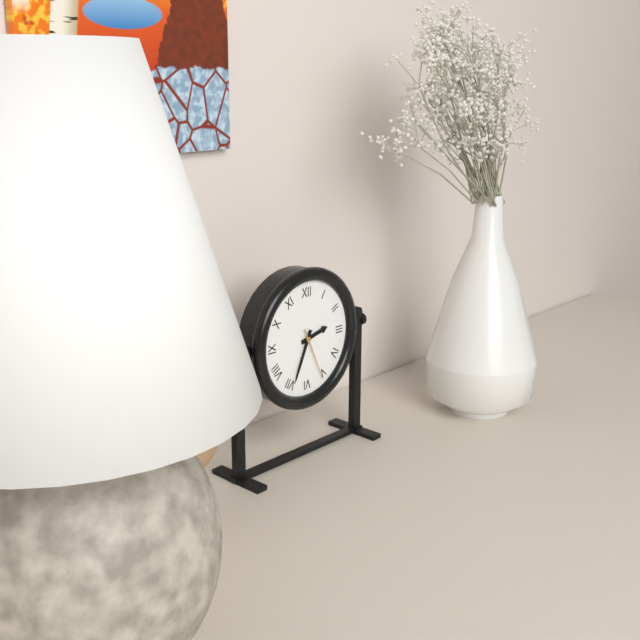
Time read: 2h34m26s
